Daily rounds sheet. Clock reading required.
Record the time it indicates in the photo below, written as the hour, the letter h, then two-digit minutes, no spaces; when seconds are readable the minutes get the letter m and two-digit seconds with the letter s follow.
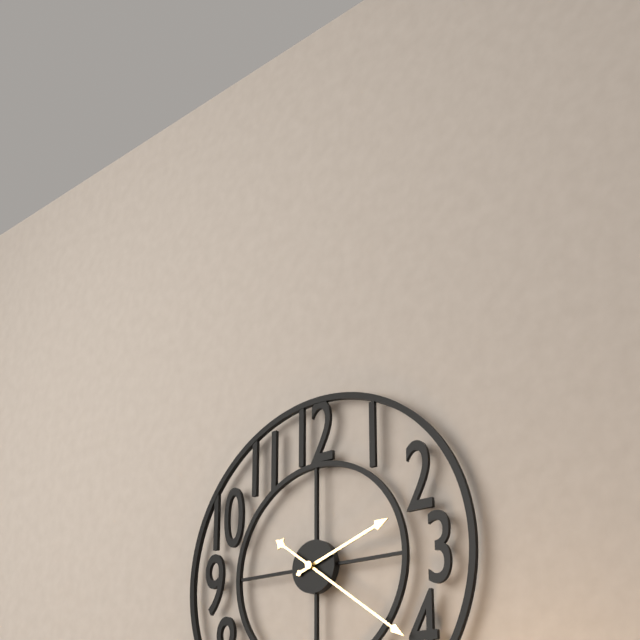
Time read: 2h21
